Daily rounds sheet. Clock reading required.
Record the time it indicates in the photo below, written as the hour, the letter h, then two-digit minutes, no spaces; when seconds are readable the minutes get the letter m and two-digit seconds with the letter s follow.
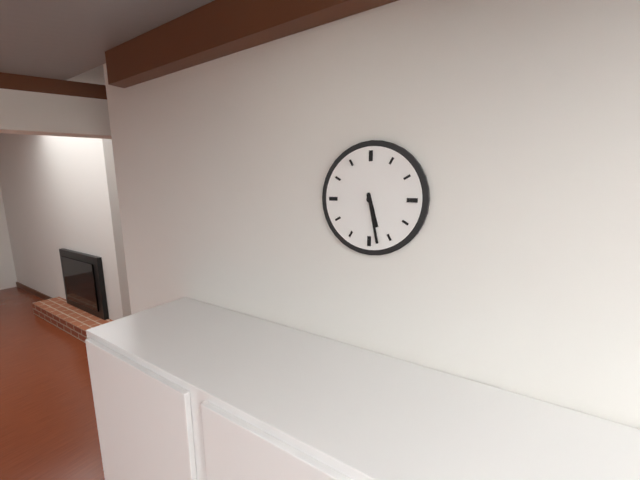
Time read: 5h28
